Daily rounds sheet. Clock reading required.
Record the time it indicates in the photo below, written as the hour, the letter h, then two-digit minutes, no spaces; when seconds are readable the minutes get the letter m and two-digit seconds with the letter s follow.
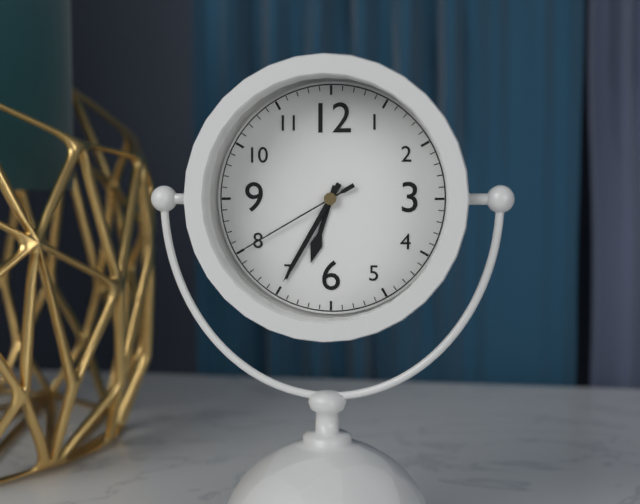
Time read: 6h35m40s
